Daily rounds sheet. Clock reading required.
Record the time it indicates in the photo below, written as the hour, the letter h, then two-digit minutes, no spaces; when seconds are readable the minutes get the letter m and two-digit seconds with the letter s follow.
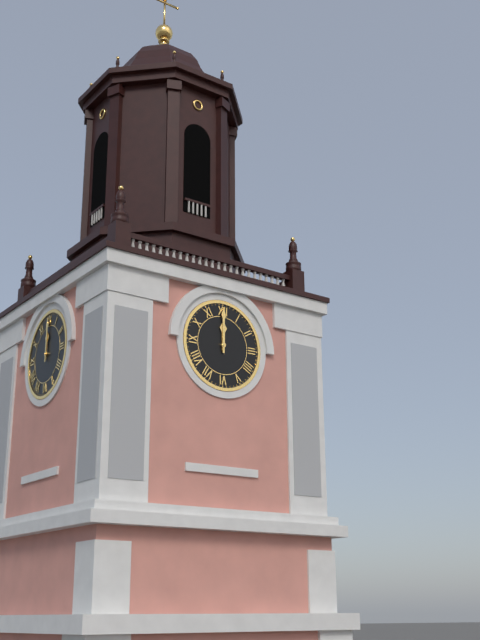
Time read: 12h00
